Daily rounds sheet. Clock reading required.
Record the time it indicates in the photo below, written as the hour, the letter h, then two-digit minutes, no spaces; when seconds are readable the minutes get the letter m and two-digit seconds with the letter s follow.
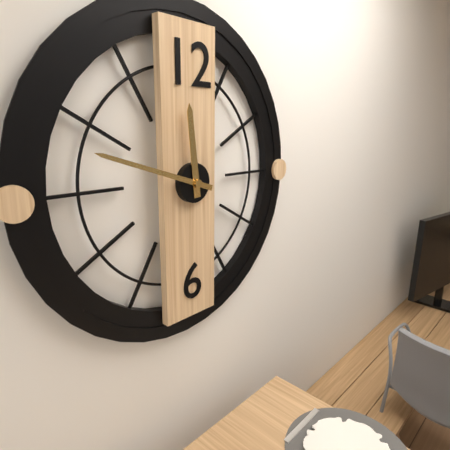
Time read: 11h48
